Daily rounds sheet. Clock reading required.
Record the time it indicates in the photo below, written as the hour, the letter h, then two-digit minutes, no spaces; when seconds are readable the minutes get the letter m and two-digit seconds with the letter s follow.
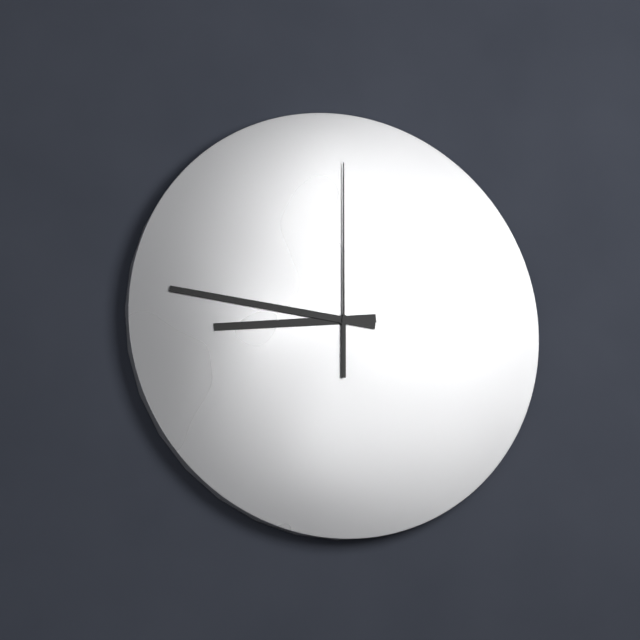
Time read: 8h46m00s
